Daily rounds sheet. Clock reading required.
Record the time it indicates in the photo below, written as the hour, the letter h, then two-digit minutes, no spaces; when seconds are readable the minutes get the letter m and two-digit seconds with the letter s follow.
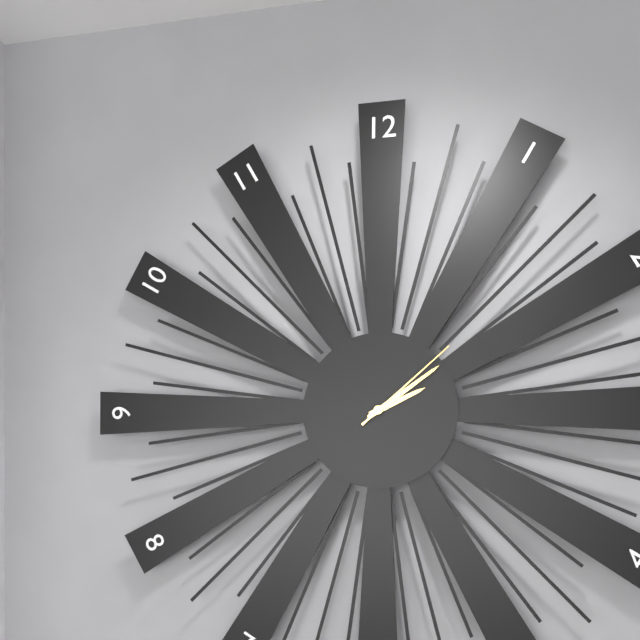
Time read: 2h09m08s
